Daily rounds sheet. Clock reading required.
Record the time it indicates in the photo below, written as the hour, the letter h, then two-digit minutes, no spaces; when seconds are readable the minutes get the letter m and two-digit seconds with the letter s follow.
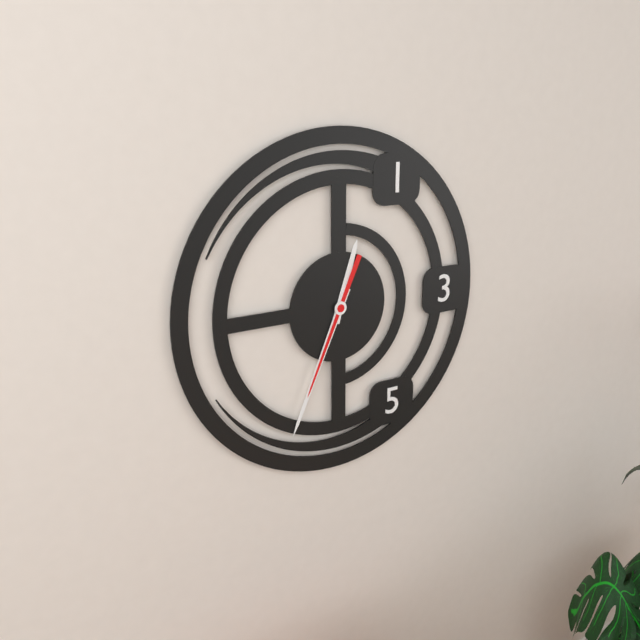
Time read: 12h34m34s
